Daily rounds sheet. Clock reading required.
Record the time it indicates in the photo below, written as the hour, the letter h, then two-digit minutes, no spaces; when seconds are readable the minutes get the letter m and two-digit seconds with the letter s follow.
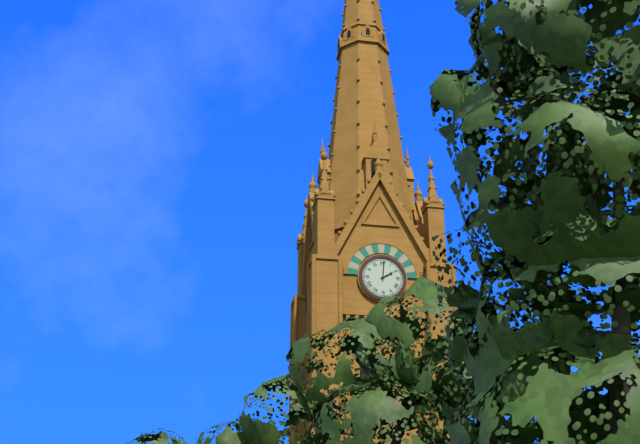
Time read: 2h01
